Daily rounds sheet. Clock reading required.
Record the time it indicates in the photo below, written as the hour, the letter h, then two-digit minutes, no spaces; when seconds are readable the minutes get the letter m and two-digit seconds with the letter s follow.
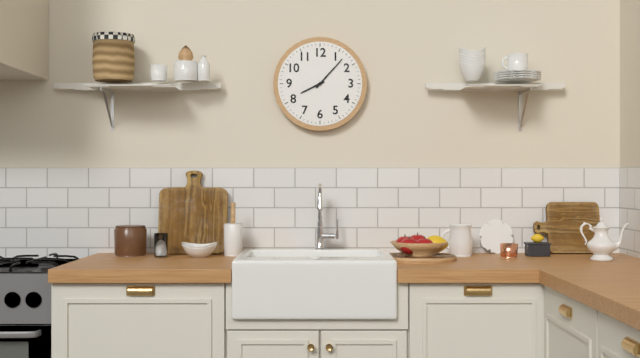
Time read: 8h07
